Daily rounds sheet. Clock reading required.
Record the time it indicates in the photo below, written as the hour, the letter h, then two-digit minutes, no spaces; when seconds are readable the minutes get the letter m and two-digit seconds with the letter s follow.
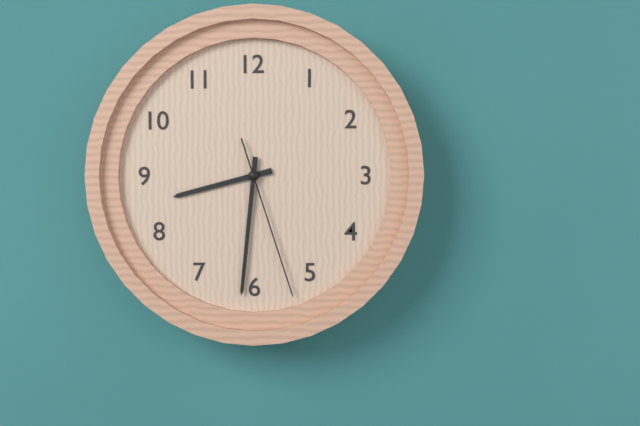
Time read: 8h31m27s
